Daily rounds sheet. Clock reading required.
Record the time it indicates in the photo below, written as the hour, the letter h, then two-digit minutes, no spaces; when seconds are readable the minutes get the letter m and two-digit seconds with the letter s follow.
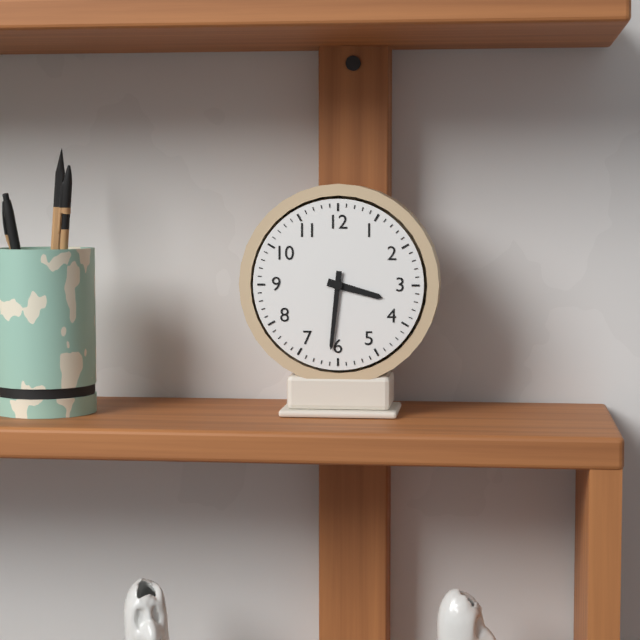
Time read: 3h31
